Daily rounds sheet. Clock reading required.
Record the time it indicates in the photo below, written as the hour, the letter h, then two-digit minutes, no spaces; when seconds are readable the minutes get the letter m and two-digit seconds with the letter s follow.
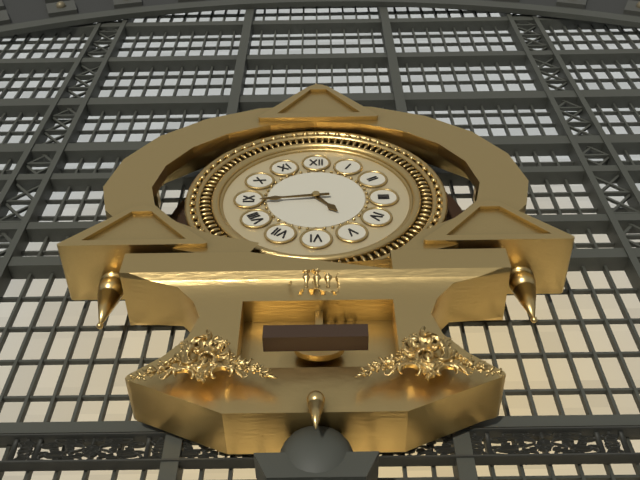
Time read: 4h44
